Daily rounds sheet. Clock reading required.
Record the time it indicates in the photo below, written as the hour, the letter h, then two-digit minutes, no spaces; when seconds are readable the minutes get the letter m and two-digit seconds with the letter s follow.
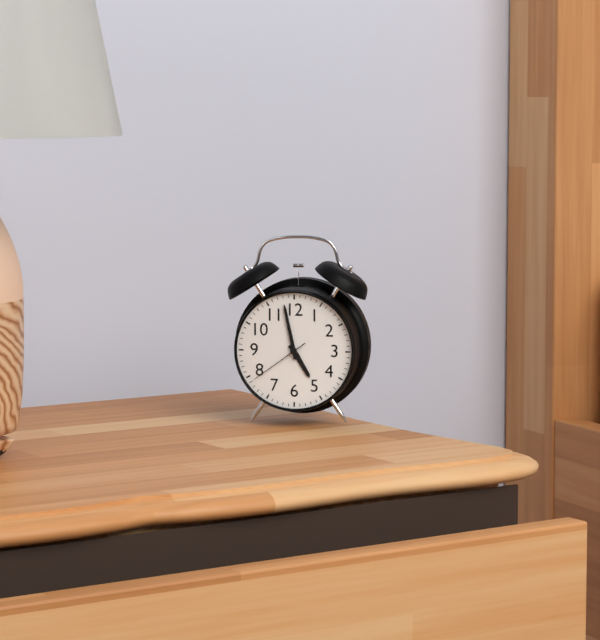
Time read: 4h58m39s
